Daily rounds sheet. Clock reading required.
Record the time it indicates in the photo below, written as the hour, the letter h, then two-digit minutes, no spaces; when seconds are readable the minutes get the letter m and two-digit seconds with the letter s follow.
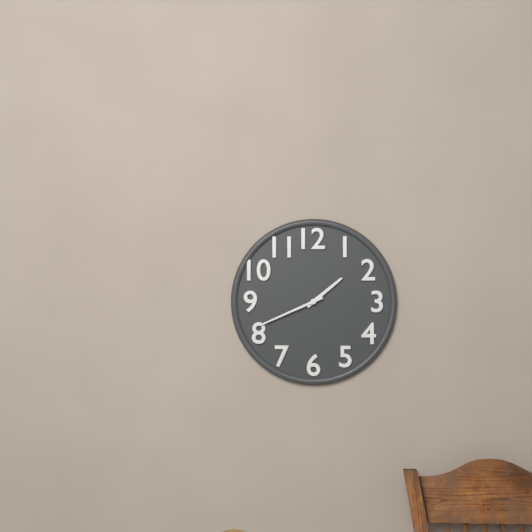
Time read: 1h41
